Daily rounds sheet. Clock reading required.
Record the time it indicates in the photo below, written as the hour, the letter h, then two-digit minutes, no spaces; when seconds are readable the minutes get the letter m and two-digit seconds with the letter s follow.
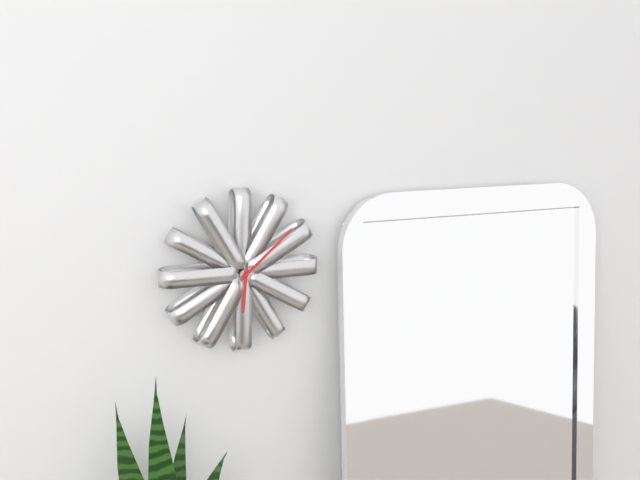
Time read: 6h08
